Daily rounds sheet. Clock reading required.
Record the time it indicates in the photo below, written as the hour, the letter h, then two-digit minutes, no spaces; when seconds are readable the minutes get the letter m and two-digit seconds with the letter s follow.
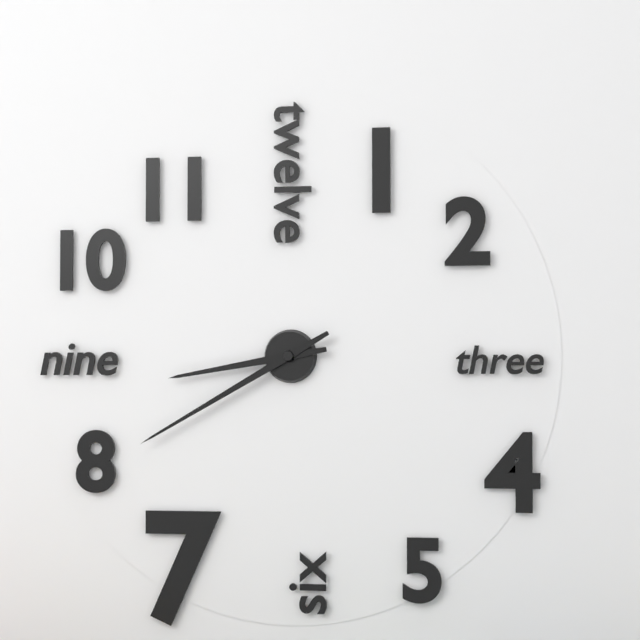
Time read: 8h40
